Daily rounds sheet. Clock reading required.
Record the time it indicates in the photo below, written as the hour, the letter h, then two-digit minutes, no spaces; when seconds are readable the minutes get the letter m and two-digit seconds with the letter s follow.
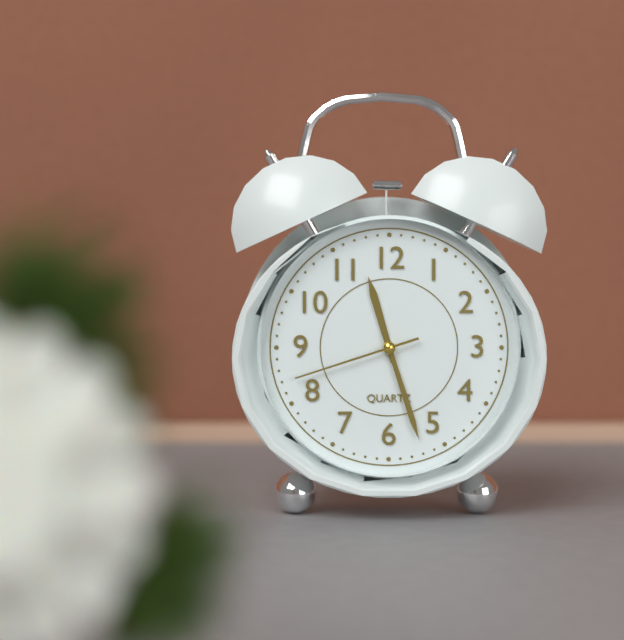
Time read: 11h27m42s
